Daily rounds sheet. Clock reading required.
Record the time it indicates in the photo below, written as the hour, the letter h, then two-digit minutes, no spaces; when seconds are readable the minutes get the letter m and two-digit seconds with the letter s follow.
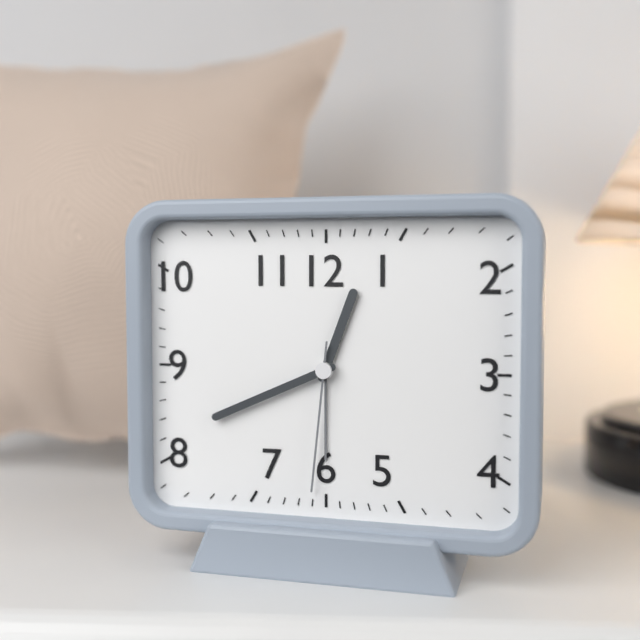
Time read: 12h41m31s
